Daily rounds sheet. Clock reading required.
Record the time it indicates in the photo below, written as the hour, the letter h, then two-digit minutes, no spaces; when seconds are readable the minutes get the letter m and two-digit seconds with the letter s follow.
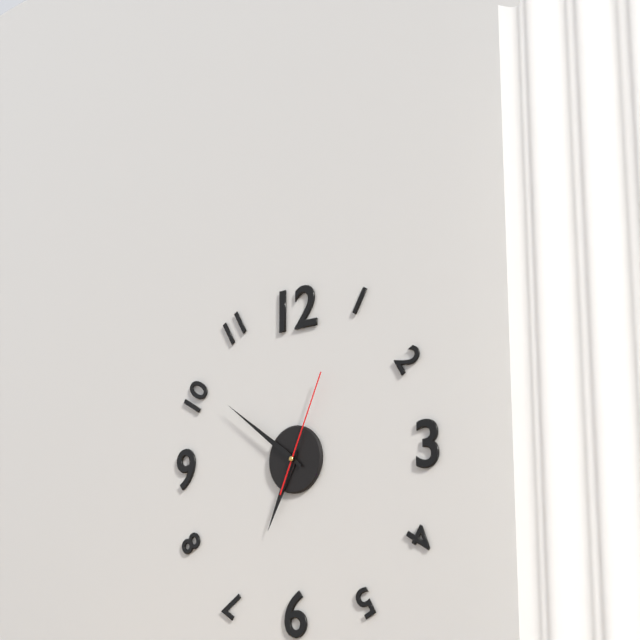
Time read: 6h51m04s
